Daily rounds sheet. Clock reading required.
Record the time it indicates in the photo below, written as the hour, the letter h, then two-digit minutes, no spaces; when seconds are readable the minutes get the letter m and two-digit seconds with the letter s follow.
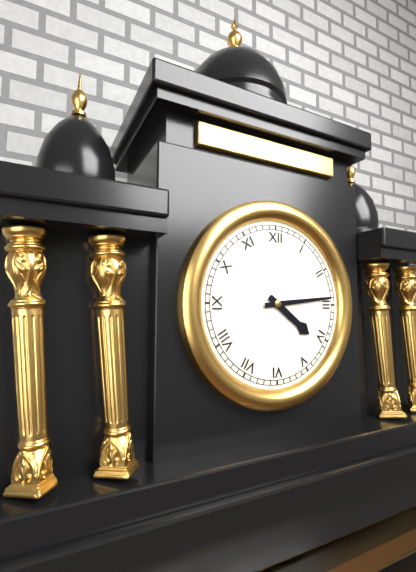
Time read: 4h14
